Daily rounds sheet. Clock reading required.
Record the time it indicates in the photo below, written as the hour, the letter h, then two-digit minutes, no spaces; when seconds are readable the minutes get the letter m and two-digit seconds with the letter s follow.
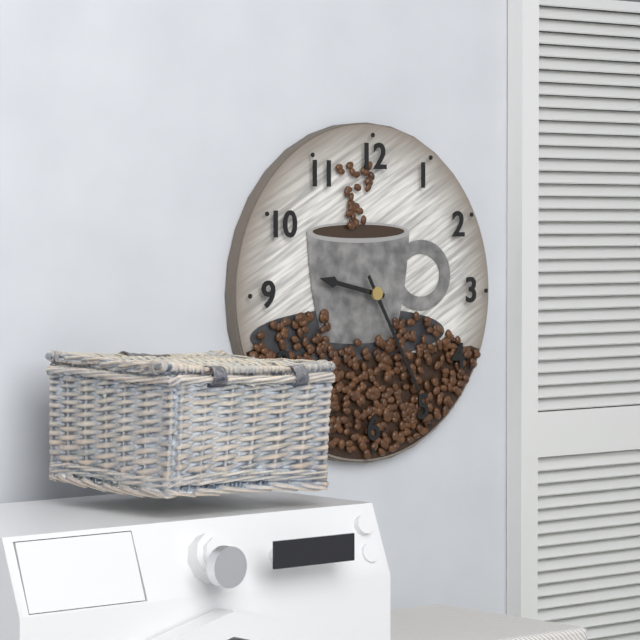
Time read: 9h25
